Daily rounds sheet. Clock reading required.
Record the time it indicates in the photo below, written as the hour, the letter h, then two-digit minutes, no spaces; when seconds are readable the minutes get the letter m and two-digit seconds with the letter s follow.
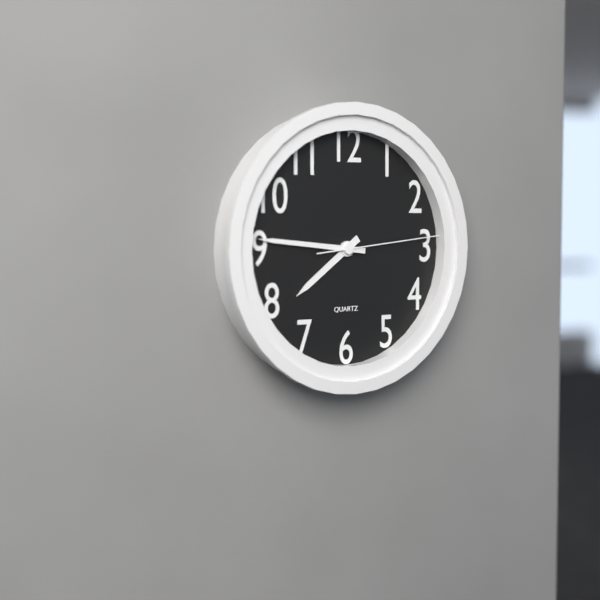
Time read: 7h46m14s
